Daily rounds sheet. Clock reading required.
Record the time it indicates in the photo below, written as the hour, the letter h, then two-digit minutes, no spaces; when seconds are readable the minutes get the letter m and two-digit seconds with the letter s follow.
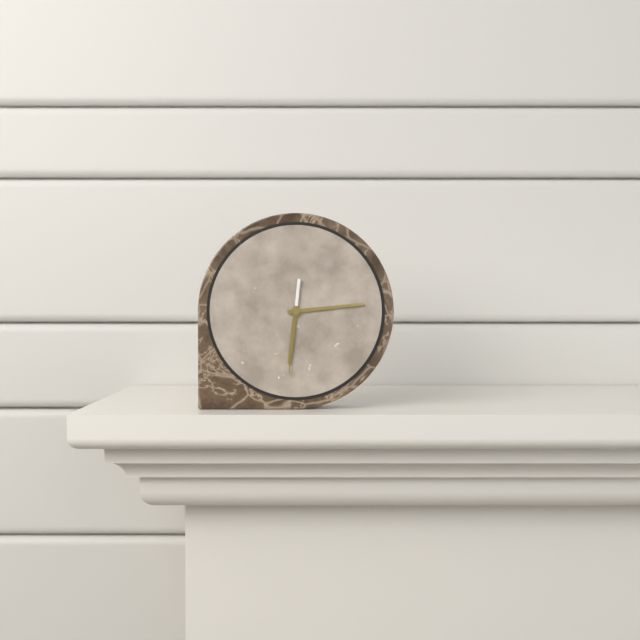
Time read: 6h14m31s
